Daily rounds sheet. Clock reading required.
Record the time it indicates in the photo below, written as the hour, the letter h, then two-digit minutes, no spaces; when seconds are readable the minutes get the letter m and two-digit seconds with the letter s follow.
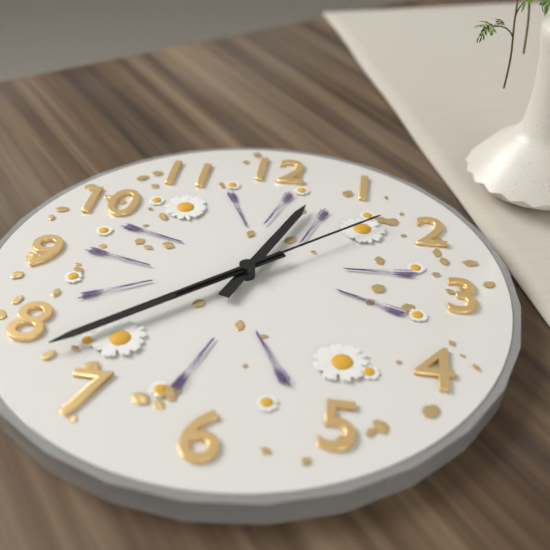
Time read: 12h38m08s
